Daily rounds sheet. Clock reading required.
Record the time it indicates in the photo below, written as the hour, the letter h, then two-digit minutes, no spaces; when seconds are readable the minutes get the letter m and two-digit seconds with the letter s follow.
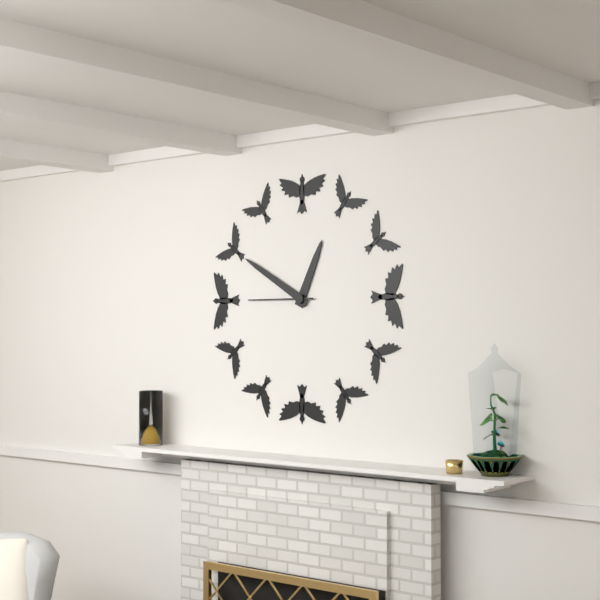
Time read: 12h50m45s
